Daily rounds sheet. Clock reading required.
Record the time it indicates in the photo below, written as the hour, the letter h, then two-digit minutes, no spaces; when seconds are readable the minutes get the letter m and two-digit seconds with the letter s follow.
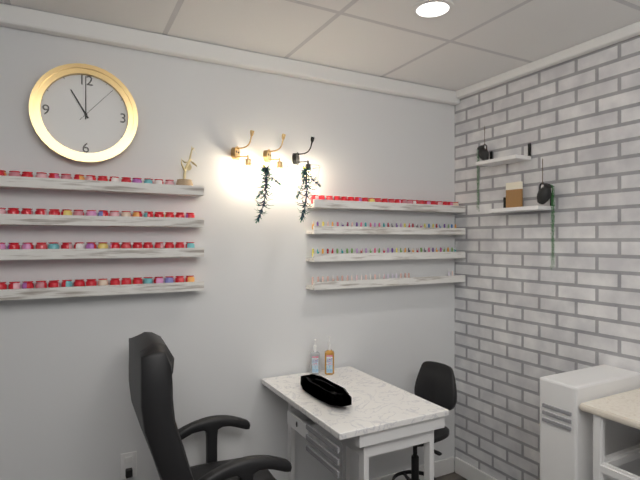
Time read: 11h00
